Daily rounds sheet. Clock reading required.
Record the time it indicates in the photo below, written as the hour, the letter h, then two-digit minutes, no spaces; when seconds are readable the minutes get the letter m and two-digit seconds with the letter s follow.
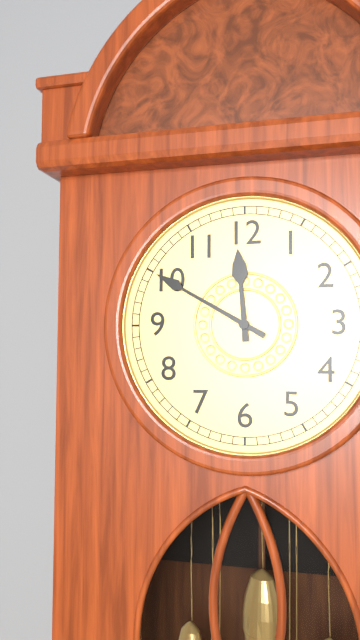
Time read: 11h50
